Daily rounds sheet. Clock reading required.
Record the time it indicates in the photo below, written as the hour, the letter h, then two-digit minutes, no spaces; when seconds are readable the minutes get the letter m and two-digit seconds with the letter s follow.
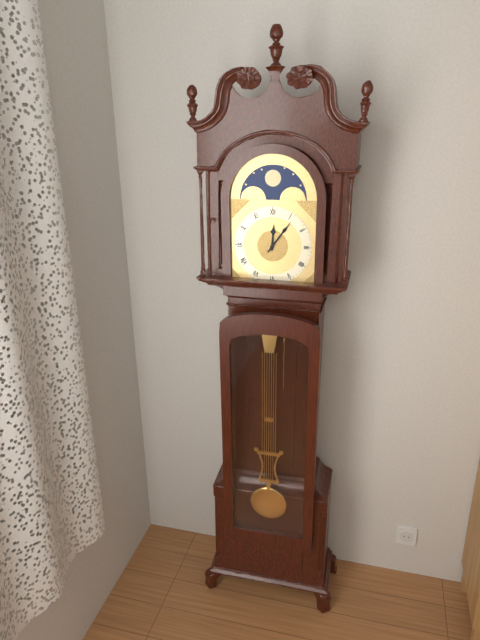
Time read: 12h06
